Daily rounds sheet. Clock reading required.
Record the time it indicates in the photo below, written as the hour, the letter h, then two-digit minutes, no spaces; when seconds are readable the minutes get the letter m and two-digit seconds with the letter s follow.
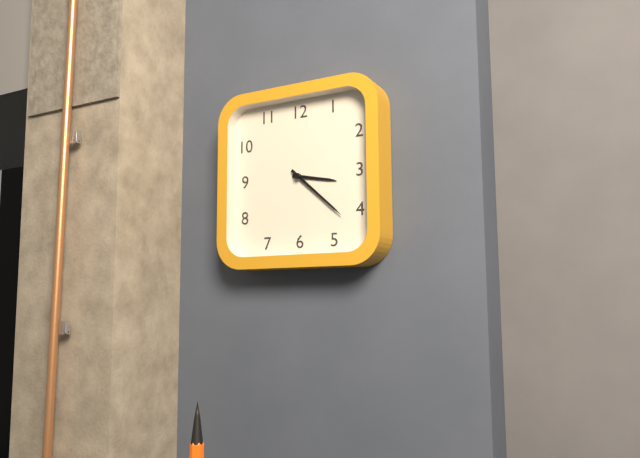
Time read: 3h22
